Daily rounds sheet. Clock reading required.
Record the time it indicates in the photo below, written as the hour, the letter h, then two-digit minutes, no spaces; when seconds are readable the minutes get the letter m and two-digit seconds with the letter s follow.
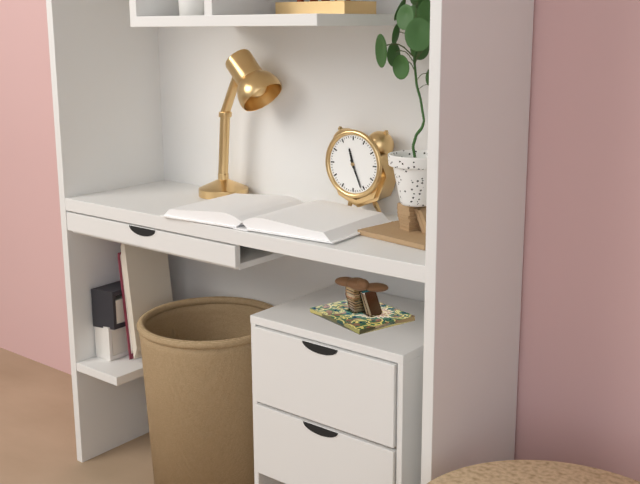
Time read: 11h26
